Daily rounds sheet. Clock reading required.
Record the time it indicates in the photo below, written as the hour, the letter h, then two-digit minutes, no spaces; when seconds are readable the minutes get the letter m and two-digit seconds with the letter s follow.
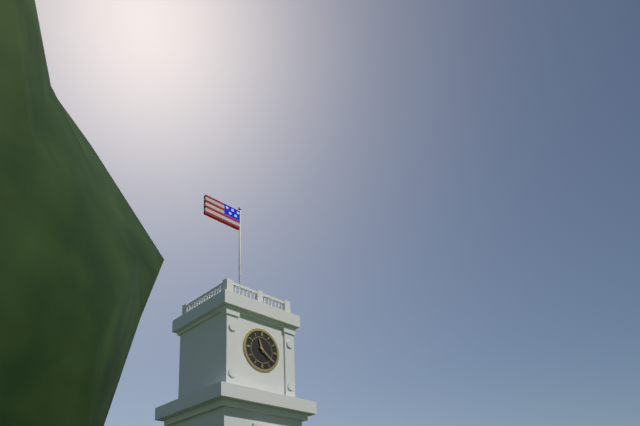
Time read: 11h21
